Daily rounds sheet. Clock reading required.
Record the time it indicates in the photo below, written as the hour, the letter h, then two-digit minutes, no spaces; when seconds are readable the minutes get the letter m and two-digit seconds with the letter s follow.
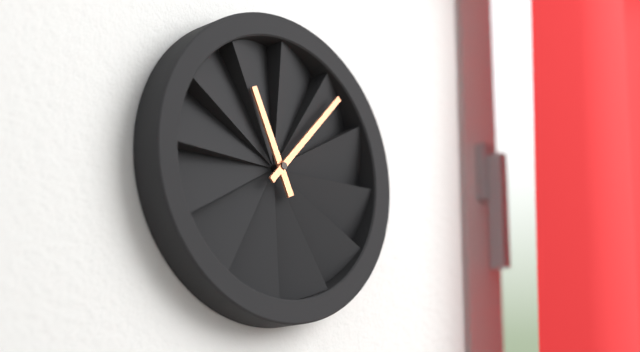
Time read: 11h07
